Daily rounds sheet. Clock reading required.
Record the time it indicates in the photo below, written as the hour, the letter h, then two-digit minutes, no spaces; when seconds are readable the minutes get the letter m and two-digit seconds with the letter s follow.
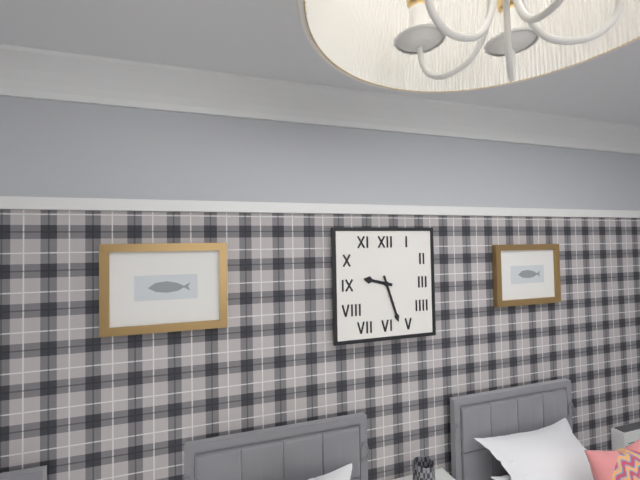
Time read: 9h27
